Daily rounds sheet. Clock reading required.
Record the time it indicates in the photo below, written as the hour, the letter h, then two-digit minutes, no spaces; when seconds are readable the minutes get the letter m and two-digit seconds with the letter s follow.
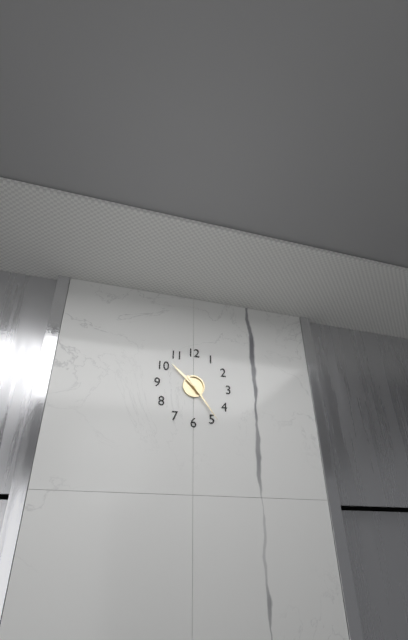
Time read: 10h24
